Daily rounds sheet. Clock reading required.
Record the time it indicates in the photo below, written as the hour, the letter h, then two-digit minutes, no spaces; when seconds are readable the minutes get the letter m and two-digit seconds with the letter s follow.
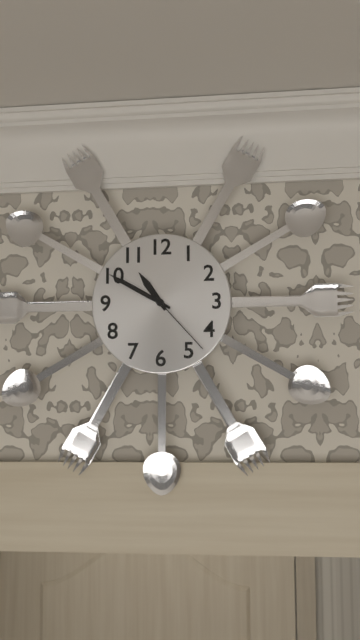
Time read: 10h50m23s
